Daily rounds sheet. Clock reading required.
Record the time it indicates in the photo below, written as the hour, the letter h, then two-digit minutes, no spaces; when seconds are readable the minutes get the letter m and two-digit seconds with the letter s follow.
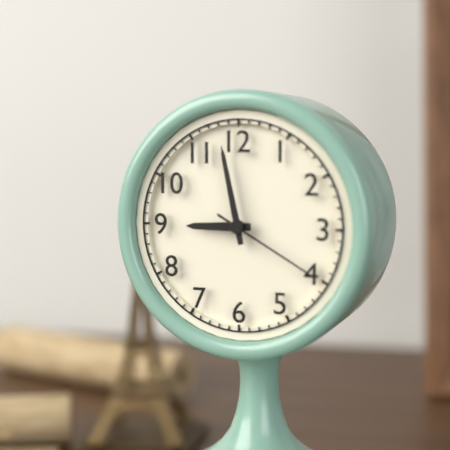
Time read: 8h58m20s
